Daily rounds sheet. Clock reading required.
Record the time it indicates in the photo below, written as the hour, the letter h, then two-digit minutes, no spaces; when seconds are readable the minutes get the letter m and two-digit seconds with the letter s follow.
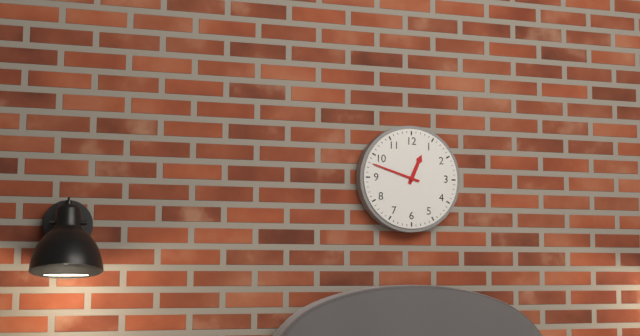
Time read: 12h48
